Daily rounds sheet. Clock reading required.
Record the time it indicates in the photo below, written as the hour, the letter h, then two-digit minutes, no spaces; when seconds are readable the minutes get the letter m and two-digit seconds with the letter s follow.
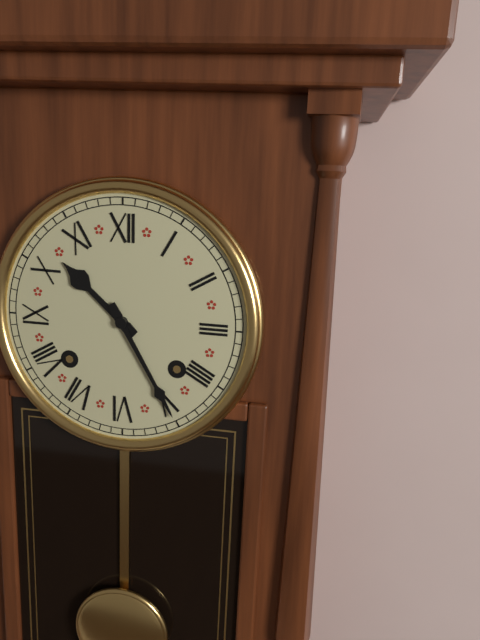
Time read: 10h25
